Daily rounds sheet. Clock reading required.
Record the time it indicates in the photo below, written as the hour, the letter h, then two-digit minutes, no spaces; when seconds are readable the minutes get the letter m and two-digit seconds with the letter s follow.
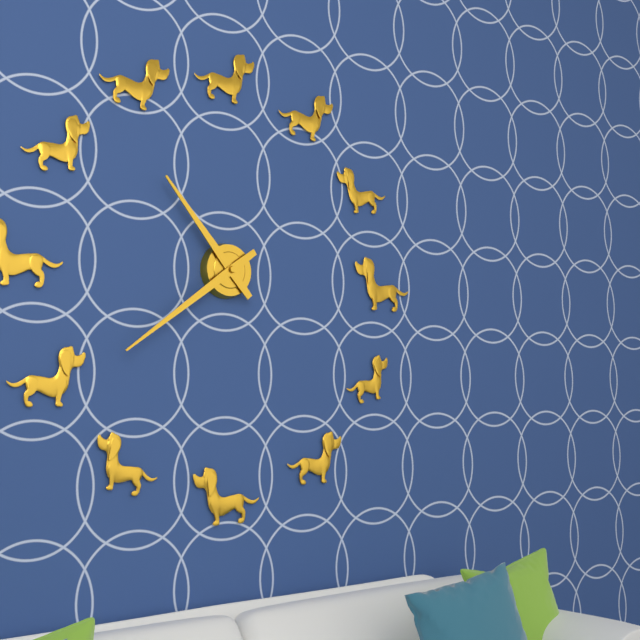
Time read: 10h39
